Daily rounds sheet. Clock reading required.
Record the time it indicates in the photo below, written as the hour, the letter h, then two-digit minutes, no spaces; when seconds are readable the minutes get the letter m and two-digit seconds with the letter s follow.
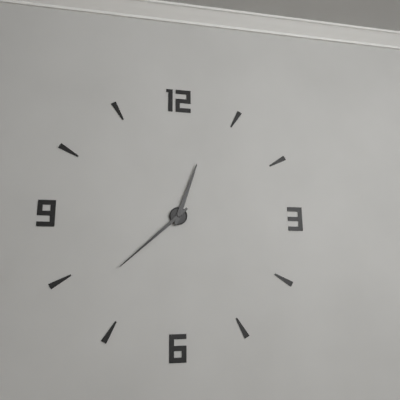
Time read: 12h38
